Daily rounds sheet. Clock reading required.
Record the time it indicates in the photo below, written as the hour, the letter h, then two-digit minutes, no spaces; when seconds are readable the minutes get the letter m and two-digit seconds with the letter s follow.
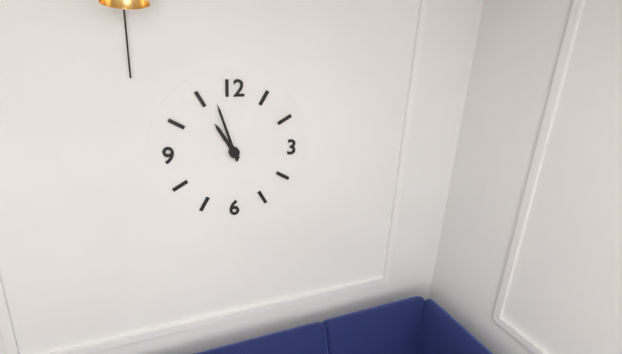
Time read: 10h57
